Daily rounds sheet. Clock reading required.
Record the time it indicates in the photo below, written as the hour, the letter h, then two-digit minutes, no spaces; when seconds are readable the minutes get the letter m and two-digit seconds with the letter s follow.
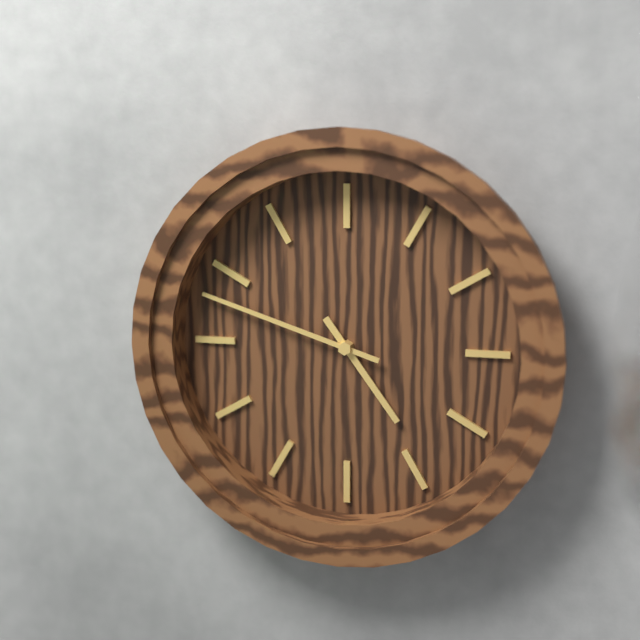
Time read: 4h48
